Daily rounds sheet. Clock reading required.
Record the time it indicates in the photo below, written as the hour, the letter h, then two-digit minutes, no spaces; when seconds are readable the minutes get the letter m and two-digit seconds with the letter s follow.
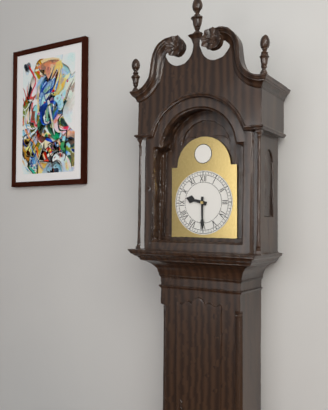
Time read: 9h30
